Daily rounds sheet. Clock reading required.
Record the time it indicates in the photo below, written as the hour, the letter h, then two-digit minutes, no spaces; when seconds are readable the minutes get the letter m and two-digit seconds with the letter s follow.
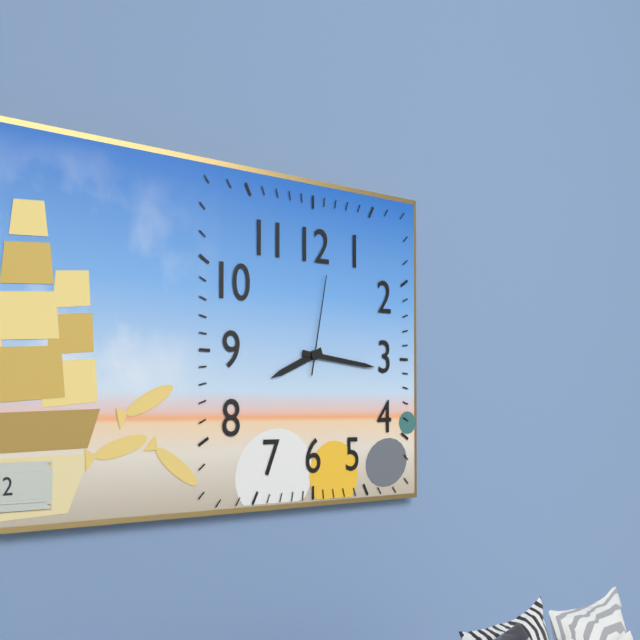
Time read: 8h16m02s
